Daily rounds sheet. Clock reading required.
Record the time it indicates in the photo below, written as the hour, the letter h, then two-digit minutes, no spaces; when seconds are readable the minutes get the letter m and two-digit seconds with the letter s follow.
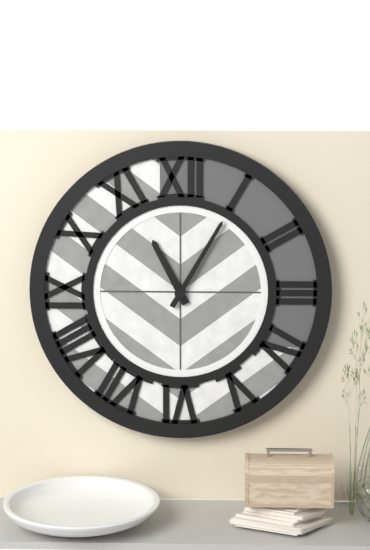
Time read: 11h05
